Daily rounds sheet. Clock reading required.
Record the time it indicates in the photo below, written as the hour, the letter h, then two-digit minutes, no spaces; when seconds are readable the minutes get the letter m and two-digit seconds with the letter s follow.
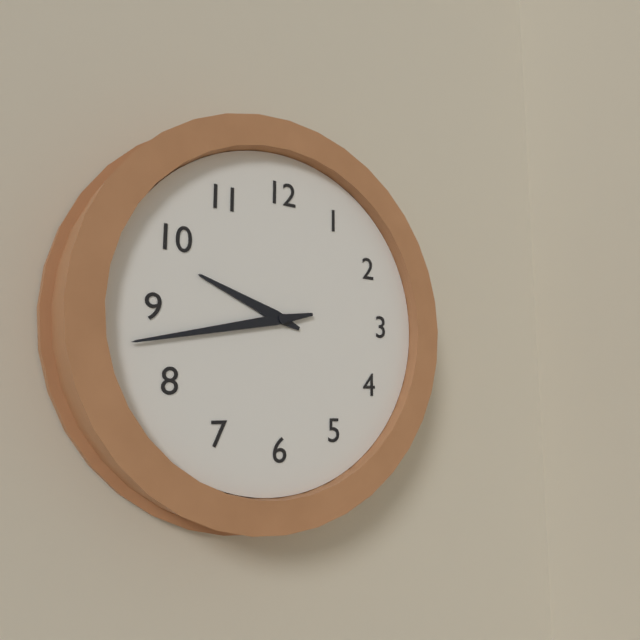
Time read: 9h43
